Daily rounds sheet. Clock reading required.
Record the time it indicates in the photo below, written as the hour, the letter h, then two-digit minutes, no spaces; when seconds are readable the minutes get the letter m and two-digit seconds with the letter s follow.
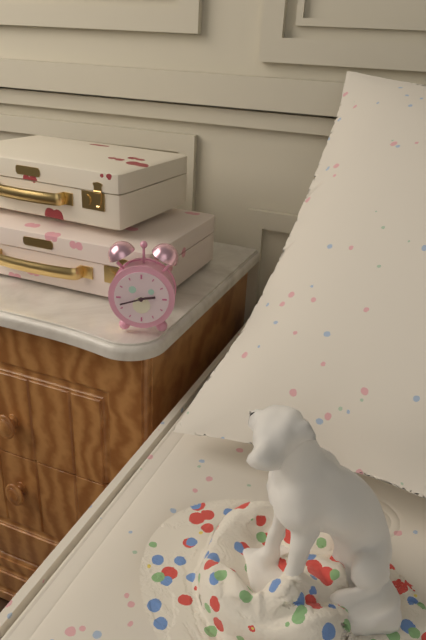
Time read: 2h42
